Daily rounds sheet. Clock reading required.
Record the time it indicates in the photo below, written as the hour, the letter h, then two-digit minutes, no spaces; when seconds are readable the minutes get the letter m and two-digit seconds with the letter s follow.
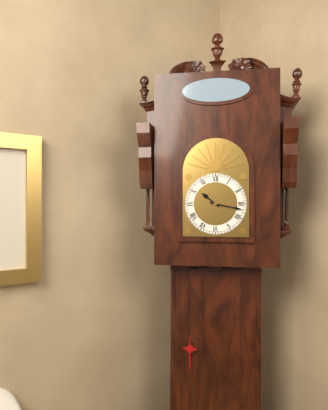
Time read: 10h17
